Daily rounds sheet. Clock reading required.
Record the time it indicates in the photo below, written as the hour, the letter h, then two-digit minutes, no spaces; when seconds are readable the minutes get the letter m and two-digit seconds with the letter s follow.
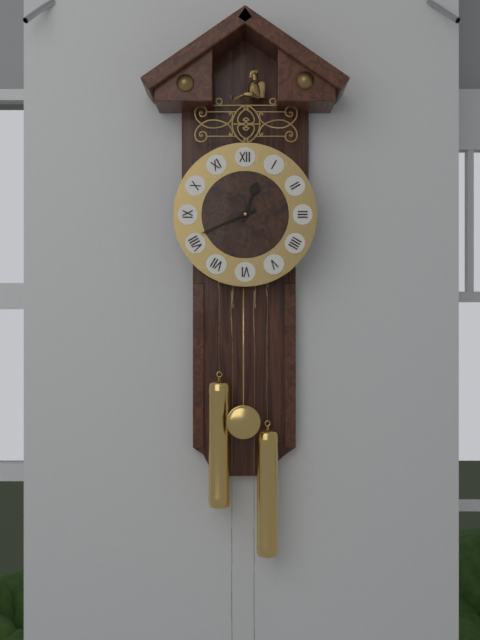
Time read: 12h41
